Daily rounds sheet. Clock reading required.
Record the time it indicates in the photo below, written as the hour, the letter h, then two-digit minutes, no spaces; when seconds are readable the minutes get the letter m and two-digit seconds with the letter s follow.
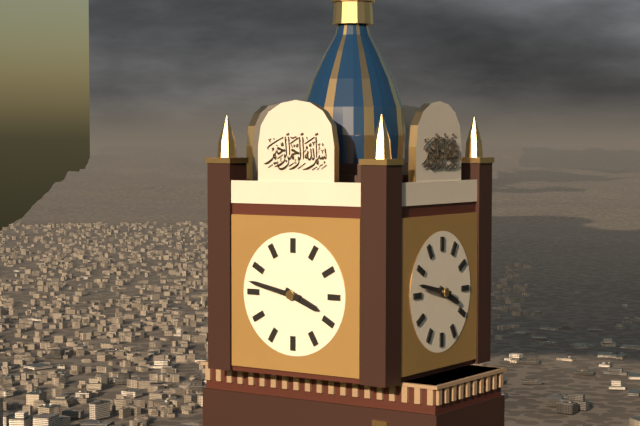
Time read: 3h47
